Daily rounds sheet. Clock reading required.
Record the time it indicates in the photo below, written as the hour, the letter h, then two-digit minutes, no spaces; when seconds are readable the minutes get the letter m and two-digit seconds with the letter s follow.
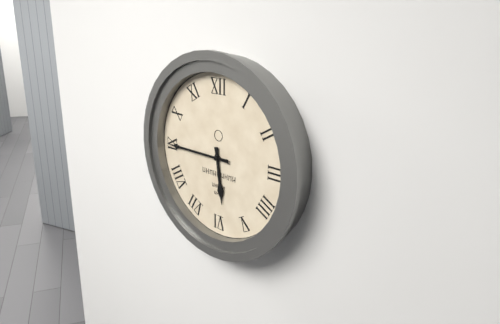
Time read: 5h45
